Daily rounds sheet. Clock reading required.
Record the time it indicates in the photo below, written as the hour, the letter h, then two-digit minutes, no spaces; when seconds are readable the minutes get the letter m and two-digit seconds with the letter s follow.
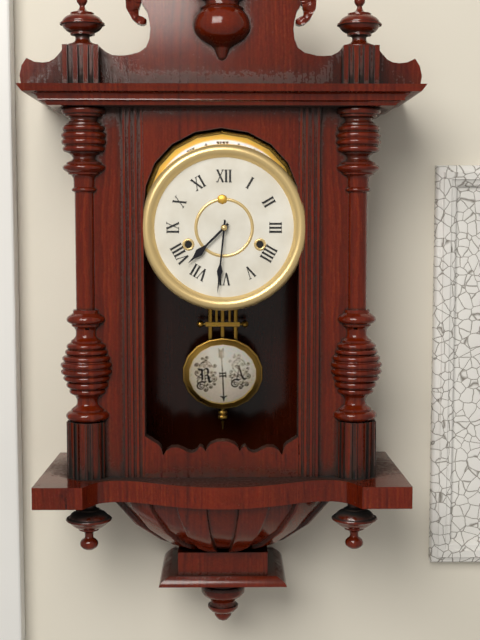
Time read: 7h31
